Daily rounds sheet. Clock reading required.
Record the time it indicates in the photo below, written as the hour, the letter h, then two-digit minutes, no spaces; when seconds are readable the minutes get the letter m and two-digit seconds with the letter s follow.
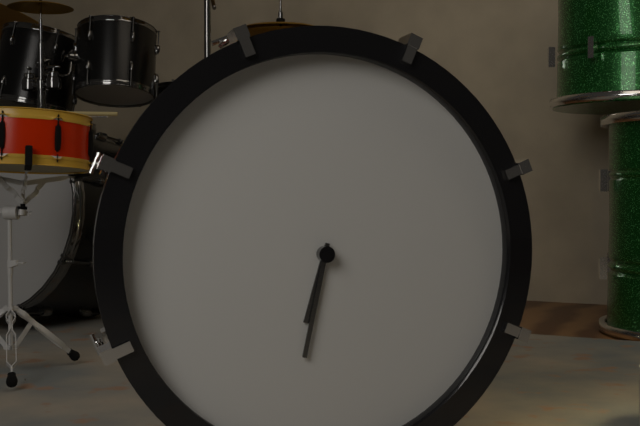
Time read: 6h32
